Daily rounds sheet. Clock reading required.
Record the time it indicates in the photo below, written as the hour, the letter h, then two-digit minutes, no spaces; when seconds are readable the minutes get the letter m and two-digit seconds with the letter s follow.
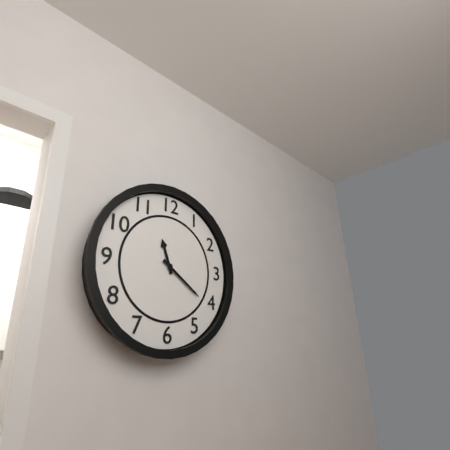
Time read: 11h21
